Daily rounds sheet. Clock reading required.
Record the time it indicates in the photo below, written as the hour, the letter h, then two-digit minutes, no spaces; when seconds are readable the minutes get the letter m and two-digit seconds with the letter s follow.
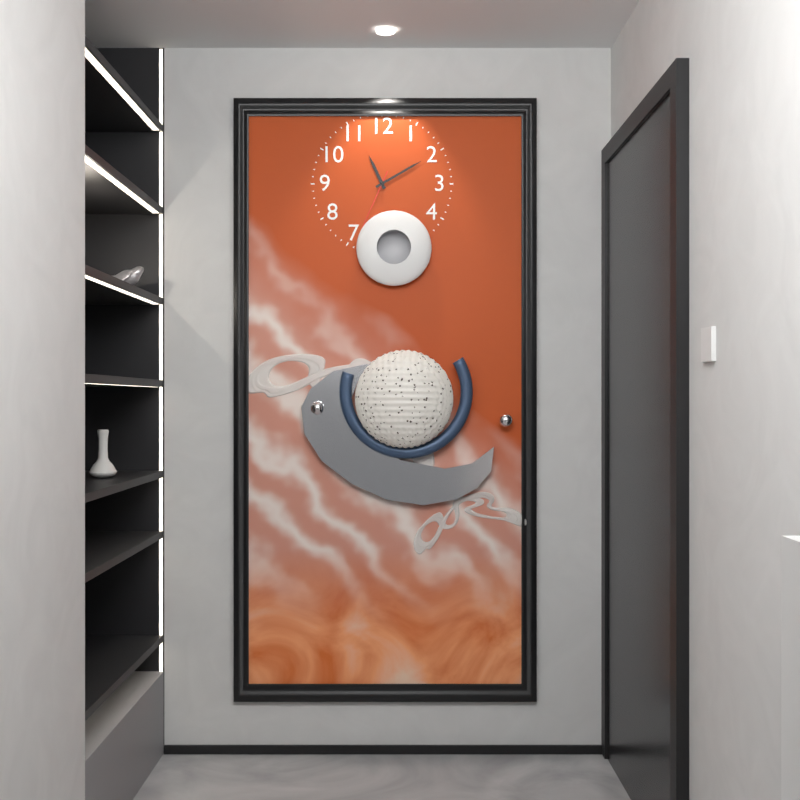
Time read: 11h10m34s
